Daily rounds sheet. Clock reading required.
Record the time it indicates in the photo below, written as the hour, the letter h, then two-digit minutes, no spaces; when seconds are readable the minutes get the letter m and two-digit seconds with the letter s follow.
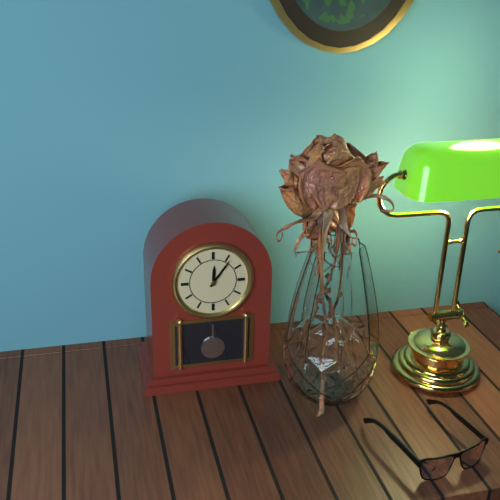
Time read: 12h06
